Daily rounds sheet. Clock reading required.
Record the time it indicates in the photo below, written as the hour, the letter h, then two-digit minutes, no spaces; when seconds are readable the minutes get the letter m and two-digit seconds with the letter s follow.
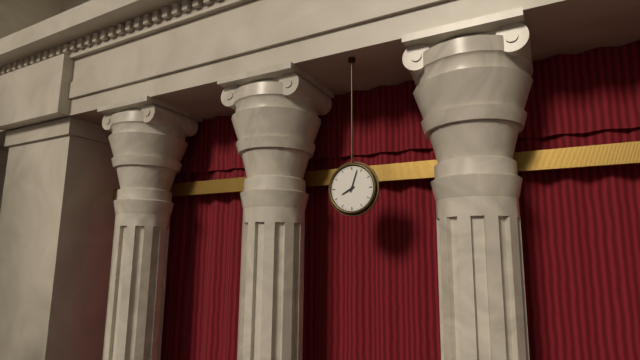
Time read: 8h03
